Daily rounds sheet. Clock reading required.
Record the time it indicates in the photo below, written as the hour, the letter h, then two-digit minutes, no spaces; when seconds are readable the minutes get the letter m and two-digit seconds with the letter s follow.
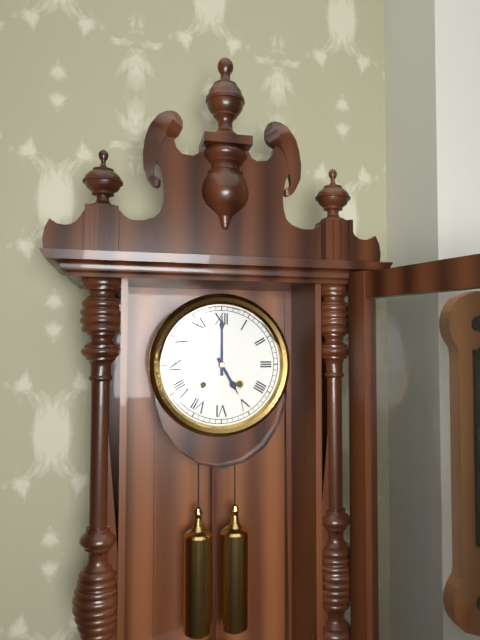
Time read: 5h00
